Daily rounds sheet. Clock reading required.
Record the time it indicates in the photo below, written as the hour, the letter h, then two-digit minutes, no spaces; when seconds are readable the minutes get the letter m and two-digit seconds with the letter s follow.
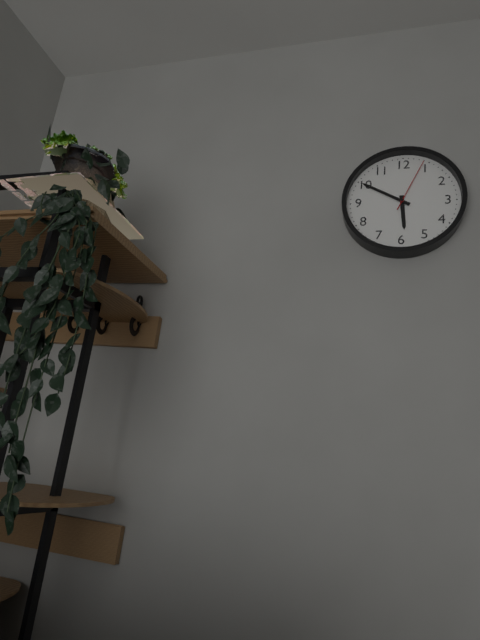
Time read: 5h50m04s
